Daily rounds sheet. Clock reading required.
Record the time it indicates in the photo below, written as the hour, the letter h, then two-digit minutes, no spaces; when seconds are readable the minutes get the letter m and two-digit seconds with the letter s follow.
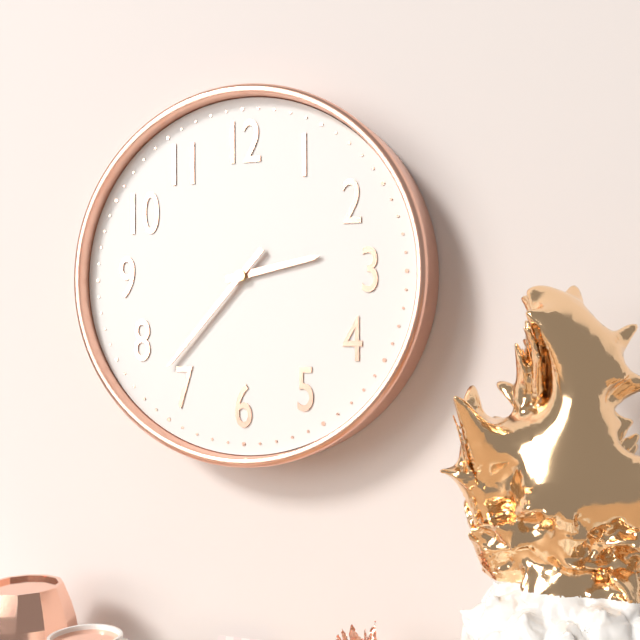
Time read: 2h37
